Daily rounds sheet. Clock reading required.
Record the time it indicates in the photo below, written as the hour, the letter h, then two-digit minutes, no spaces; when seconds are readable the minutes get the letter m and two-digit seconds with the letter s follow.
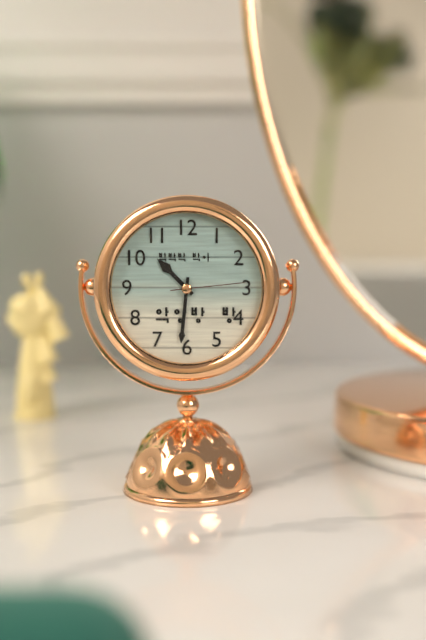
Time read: 10h31m14s
